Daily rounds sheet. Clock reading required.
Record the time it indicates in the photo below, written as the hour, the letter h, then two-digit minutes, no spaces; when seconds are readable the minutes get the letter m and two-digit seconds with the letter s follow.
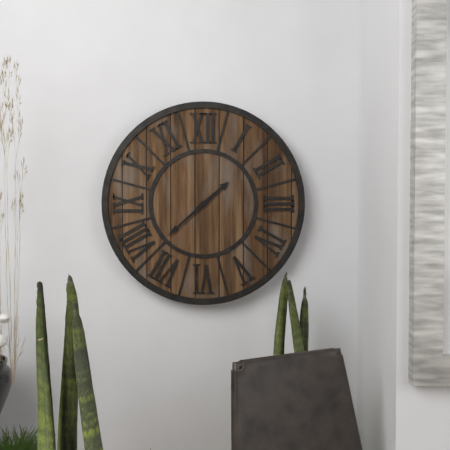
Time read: 1h38
